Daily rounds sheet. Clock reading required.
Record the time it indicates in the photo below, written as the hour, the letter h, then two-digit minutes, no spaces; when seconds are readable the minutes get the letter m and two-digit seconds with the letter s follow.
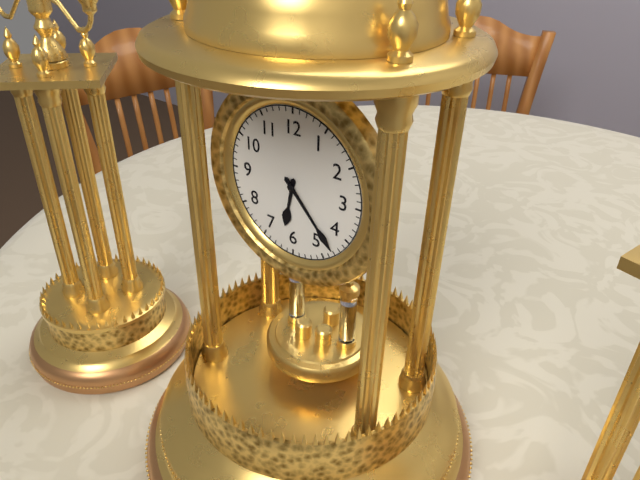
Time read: 6h23
